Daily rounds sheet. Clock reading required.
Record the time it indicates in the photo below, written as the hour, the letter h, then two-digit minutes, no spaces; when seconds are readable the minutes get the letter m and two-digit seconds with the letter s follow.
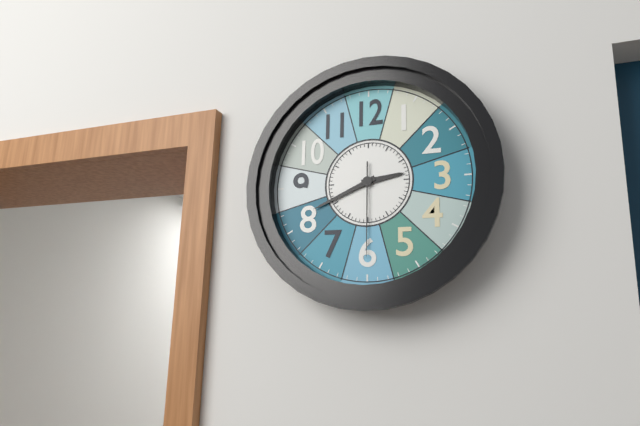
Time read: 2h41m30s
